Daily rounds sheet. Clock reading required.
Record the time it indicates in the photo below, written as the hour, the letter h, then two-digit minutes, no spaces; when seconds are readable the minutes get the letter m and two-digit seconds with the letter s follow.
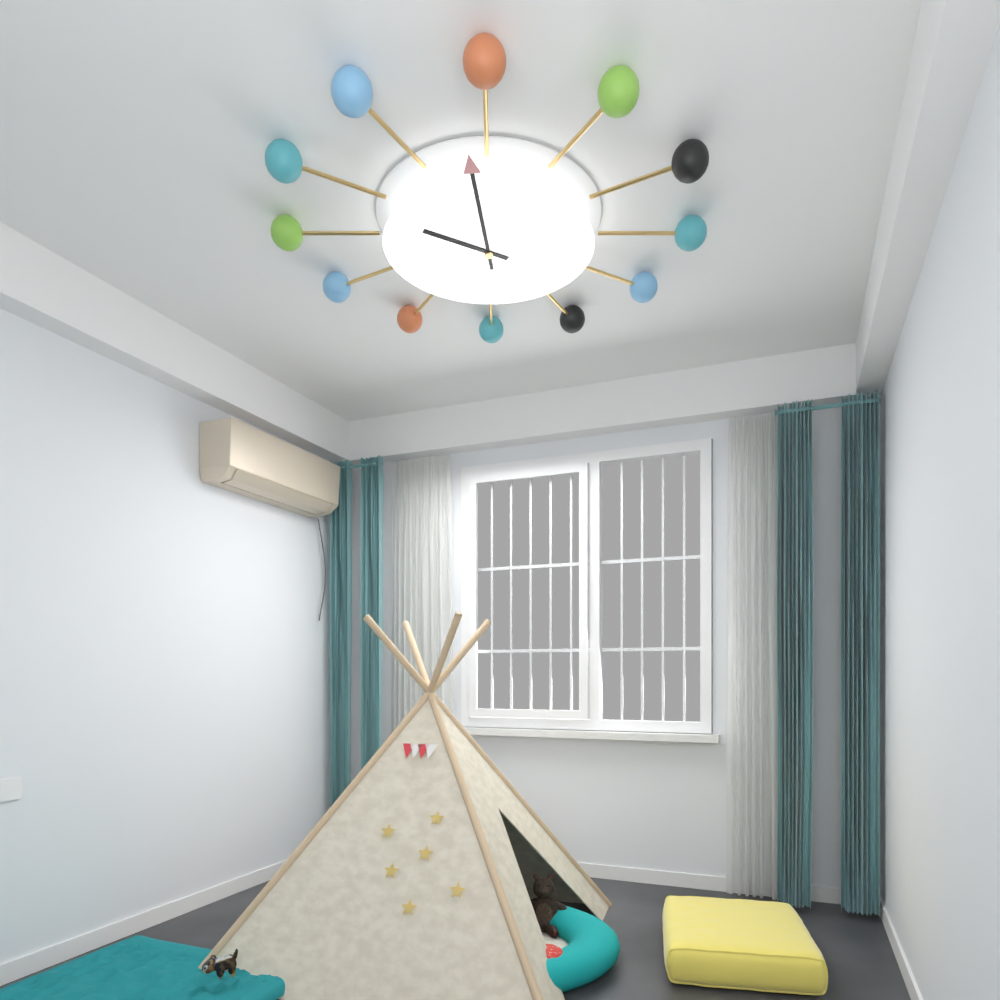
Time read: 9h59
